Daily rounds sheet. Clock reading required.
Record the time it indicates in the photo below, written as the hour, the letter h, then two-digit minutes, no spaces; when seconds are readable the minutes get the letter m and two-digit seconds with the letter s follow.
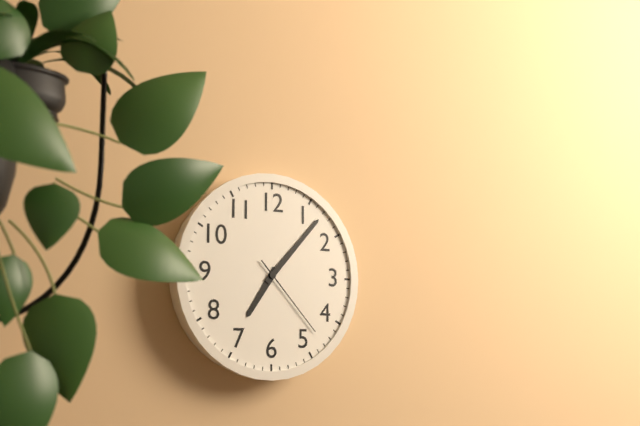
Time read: 7h07m23s
